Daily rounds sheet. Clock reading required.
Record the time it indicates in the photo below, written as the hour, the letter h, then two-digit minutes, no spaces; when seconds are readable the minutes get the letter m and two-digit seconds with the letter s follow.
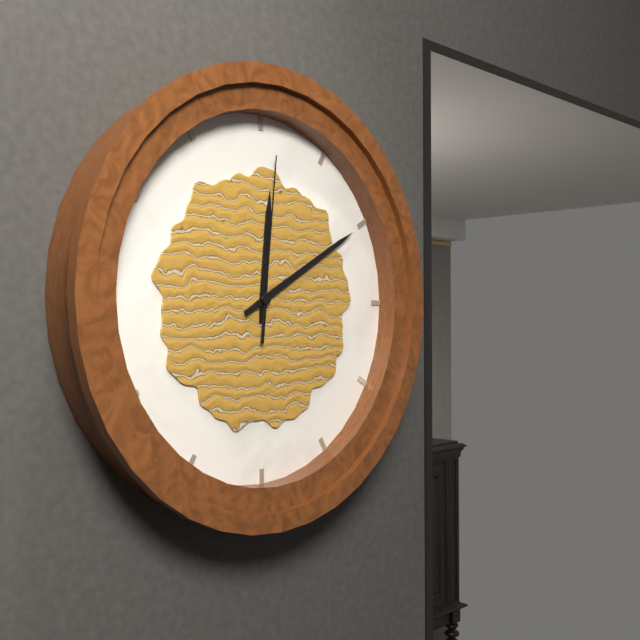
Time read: 12h10m01s
